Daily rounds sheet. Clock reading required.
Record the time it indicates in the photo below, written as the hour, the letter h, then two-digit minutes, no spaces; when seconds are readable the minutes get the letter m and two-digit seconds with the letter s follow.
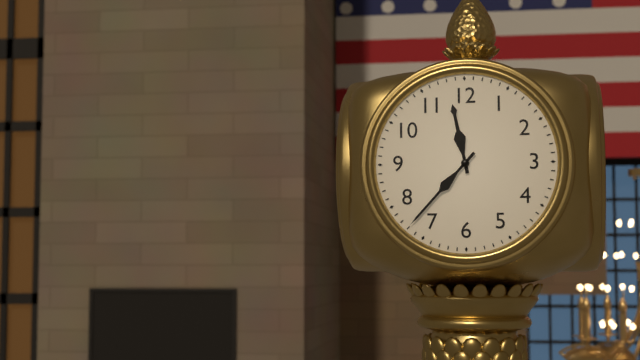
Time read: 11h37
